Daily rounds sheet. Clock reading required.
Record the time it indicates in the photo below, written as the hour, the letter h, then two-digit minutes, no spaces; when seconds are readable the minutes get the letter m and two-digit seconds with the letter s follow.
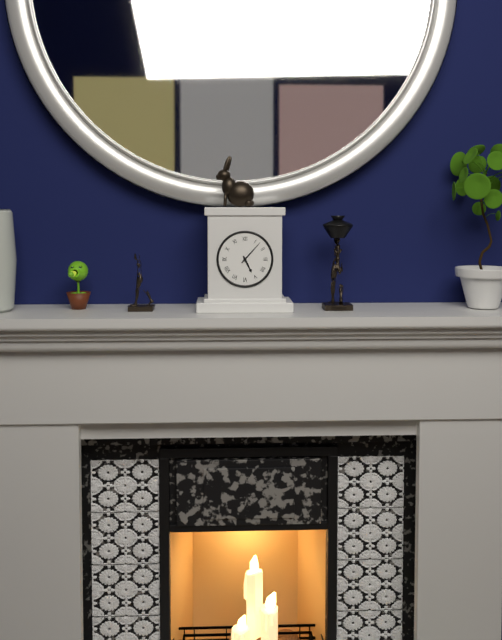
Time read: 5h07
